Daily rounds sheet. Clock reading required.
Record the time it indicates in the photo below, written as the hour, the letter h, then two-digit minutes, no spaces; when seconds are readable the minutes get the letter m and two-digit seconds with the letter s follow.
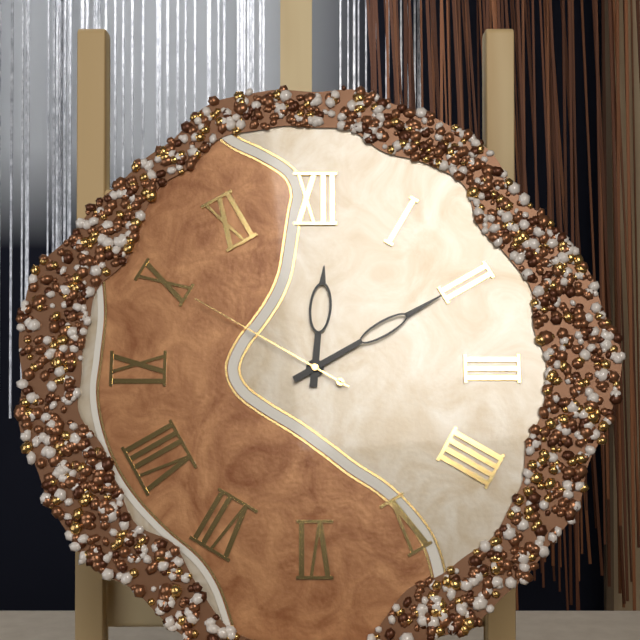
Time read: 12h10m50s
